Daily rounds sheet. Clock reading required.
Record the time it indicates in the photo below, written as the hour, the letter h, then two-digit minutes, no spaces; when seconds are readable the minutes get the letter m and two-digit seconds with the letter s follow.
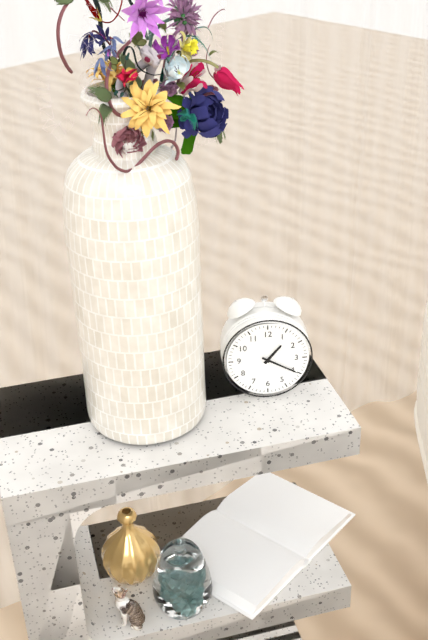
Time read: 1h20
